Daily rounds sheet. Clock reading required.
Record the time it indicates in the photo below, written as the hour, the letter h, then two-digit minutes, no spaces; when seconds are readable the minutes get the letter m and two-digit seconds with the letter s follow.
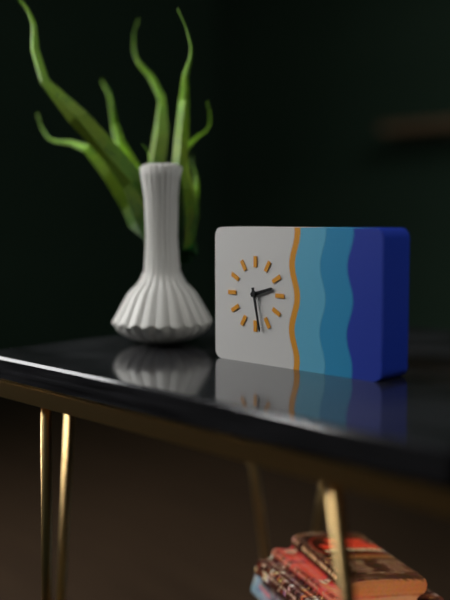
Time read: 2h28
